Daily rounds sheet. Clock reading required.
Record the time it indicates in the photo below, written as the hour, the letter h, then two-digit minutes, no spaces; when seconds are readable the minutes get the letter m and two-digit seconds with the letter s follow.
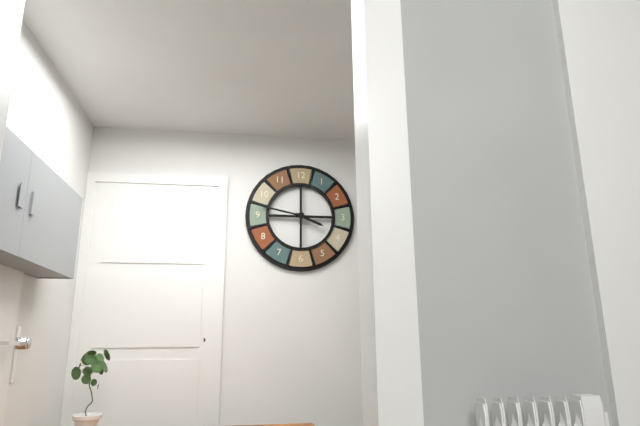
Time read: 3h47
